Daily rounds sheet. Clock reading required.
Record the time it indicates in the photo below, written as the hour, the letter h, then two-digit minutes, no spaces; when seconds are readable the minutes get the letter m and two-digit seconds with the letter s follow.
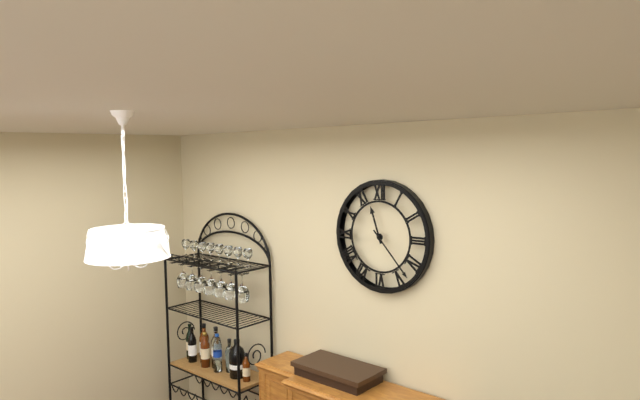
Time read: 11h23
